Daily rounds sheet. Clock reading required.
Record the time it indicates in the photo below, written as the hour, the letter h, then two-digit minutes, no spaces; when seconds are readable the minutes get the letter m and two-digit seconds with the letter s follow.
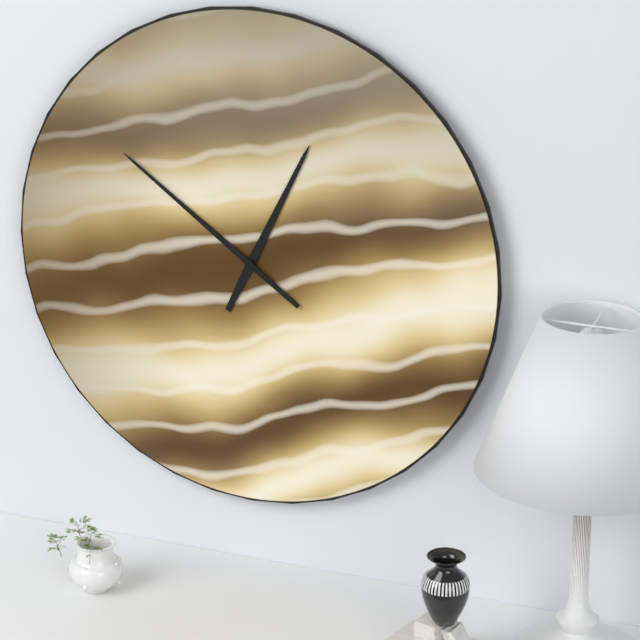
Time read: 12h51
